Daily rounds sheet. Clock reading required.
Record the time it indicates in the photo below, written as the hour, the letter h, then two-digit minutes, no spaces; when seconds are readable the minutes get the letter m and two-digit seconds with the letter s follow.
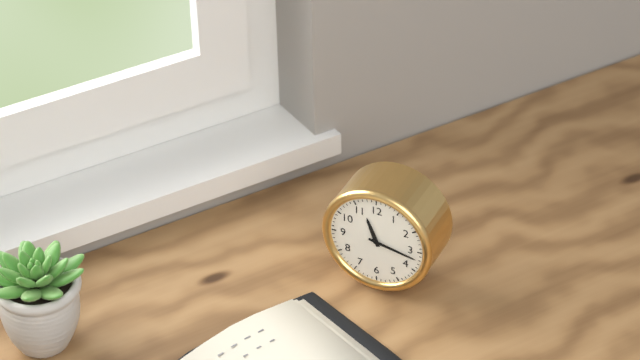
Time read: 11h17
